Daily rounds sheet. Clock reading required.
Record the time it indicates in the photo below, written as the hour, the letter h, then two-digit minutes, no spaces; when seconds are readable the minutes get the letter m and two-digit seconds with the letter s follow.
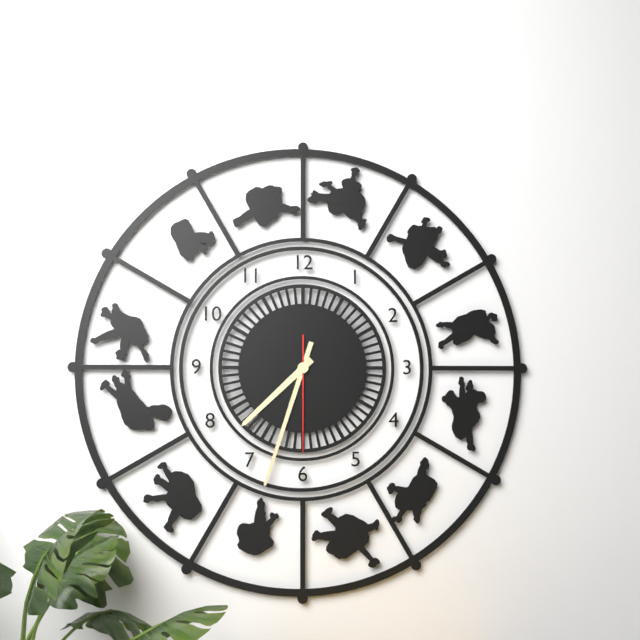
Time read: 7h33m30s
